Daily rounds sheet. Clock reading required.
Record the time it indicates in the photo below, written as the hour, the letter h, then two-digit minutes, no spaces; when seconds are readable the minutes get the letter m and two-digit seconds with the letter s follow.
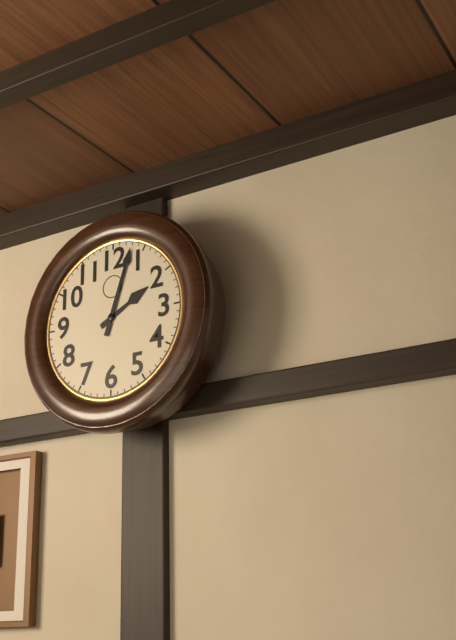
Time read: 2h03
